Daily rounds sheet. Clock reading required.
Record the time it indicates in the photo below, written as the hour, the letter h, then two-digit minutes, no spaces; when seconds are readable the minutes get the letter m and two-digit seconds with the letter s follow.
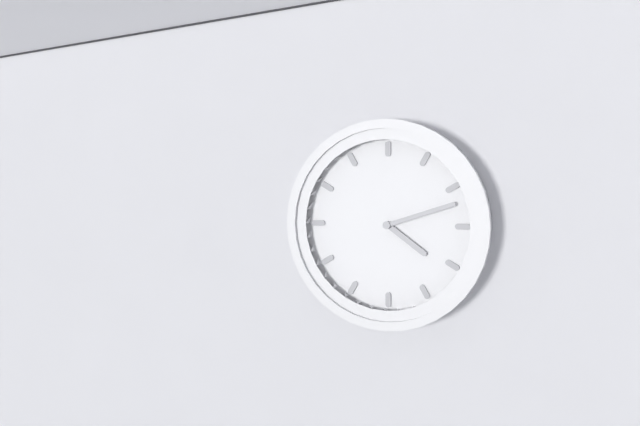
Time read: 4h12
